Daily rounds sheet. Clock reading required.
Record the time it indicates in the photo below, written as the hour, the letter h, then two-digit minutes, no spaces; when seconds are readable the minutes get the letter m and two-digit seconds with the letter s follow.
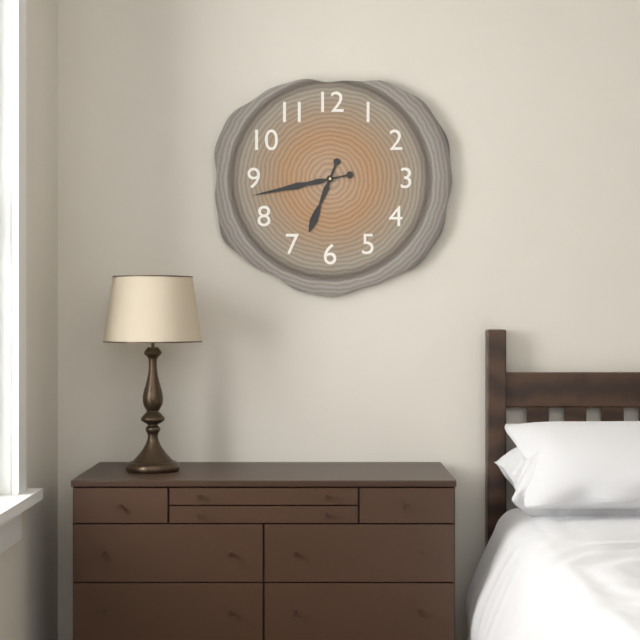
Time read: 6h43
